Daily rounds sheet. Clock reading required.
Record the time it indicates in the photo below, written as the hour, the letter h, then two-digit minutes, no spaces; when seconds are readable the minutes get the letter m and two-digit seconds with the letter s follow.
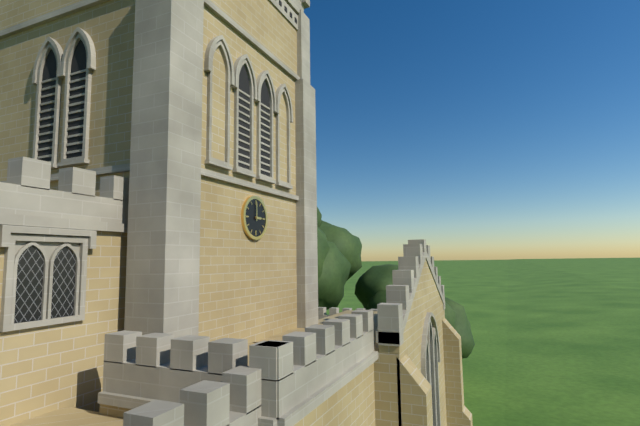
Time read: 3h00
